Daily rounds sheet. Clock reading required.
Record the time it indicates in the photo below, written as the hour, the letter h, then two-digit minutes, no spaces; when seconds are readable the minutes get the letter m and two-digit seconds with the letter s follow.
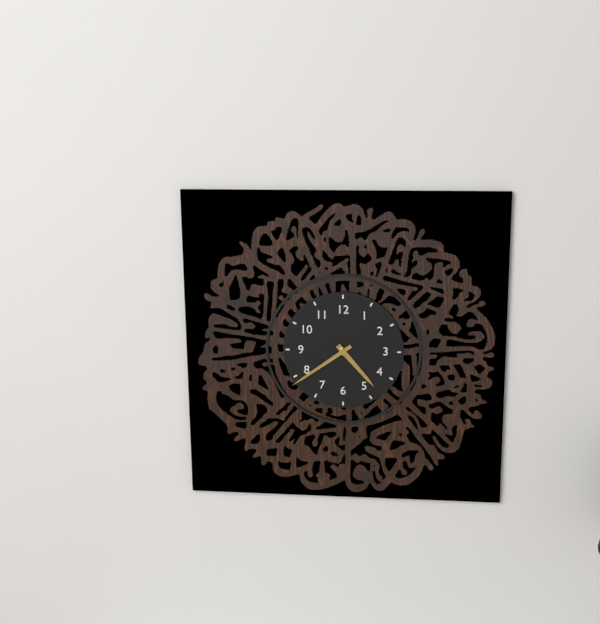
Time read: 4h39
